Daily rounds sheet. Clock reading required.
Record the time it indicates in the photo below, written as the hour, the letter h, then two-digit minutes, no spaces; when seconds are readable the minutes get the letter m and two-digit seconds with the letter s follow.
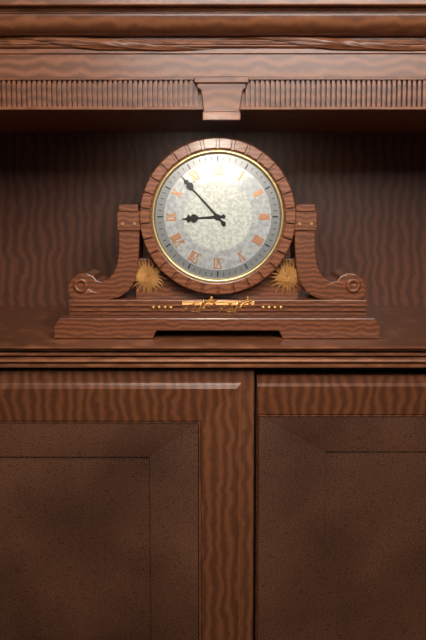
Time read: 8h53
